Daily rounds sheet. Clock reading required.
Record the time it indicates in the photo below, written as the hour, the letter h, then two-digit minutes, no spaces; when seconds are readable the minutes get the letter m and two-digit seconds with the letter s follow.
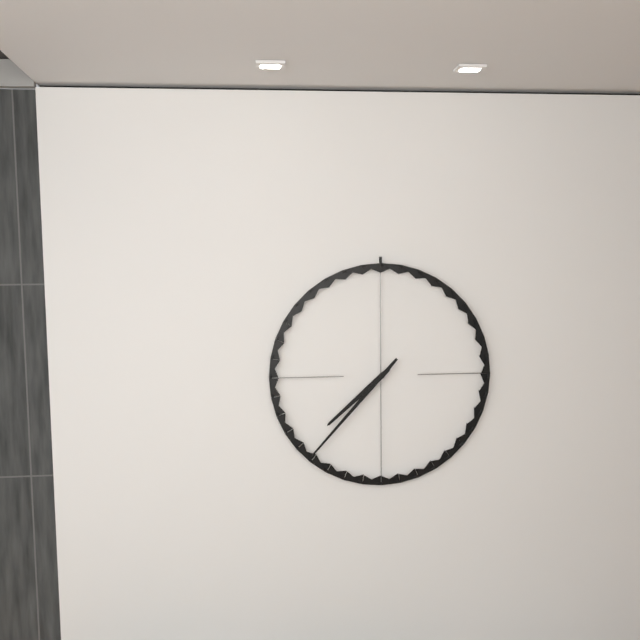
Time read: 7h37
